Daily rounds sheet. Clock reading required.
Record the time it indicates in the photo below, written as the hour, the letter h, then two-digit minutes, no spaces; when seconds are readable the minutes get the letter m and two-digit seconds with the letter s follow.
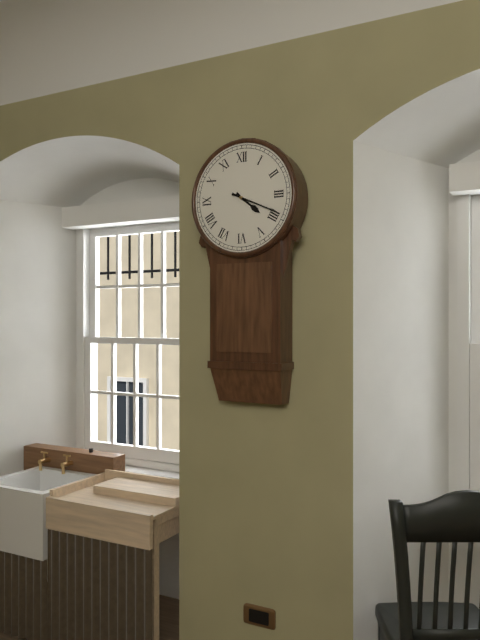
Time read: 4h19
